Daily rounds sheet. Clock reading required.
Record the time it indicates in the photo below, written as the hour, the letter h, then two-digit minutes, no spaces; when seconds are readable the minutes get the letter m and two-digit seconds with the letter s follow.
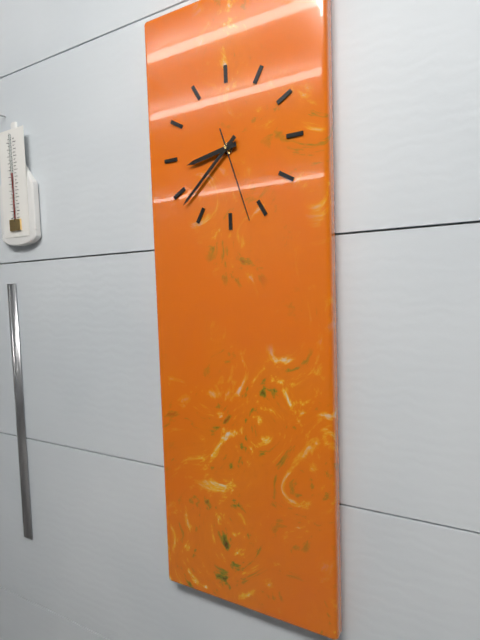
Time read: 8h38m27s
